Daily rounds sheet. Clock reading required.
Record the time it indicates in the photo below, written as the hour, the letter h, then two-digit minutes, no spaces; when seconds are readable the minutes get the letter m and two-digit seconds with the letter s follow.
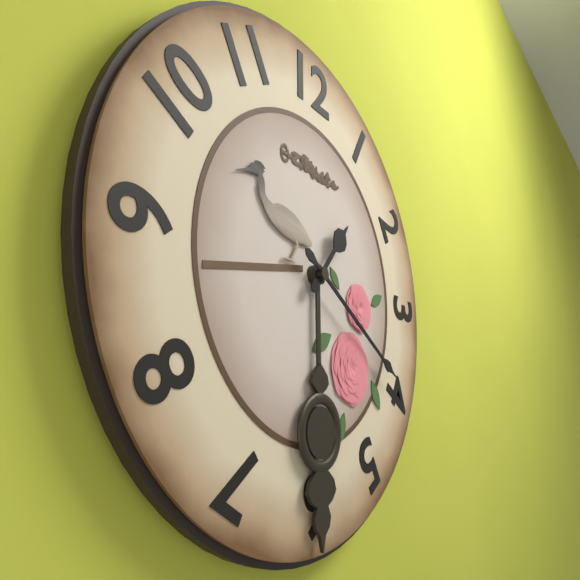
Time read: 1h20
